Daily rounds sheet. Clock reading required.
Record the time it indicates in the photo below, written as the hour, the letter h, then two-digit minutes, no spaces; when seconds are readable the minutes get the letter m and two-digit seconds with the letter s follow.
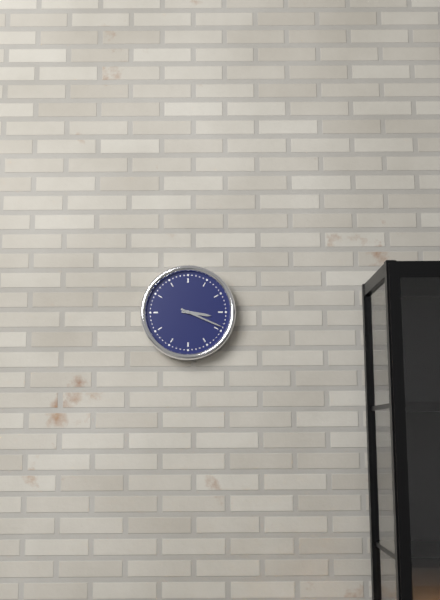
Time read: 3h19
